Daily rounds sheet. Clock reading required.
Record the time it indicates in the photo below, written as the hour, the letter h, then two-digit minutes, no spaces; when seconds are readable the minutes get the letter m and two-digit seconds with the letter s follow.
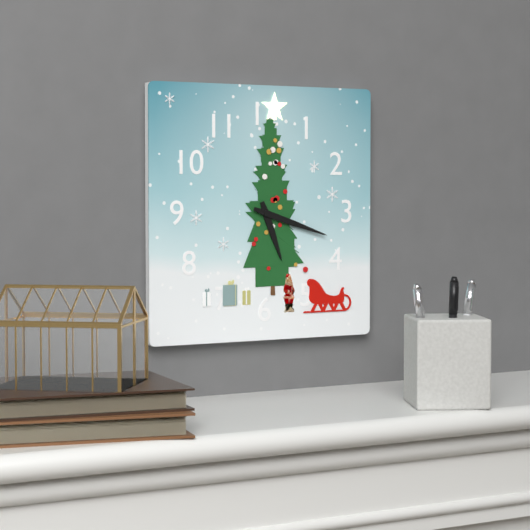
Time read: 5h18
